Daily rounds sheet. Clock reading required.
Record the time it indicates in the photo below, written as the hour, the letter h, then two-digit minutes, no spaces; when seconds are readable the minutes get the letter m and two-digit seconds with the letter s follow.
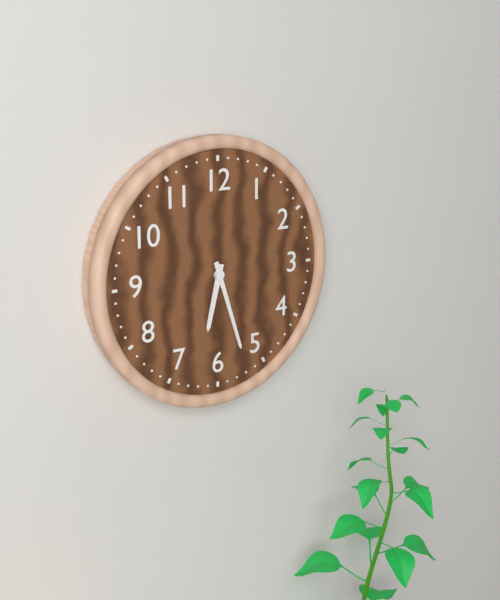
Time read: 6h27
